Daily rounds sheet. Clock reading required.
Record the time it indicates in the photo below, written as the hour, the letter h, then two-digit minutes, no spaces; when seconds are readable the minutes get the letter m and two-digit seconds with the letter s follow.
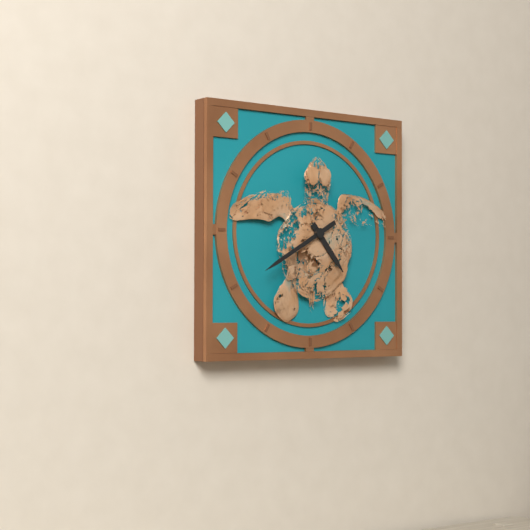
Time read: 4h40
